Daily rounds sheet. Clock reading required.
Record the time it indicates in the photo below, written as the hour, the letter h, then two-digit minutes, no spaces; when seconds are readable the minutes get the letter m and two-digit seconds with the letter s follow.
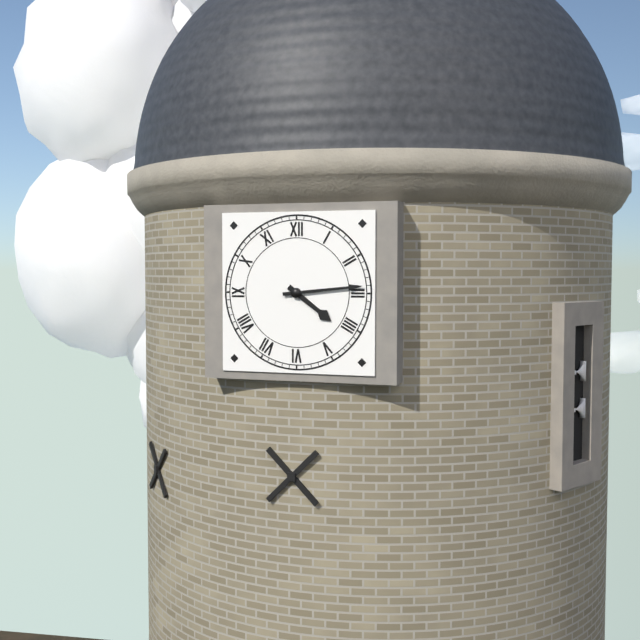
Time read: 4h14
